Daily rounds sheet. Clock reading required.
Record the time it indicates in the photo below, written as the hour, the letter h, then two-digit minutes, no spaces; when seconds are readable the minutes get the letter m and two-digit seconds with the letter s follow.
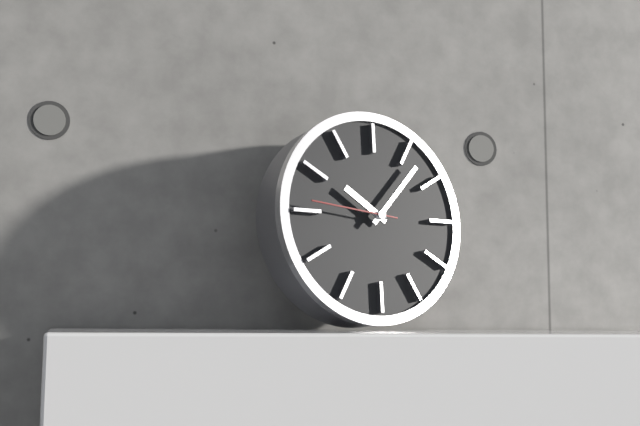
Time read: 10h07m46s
